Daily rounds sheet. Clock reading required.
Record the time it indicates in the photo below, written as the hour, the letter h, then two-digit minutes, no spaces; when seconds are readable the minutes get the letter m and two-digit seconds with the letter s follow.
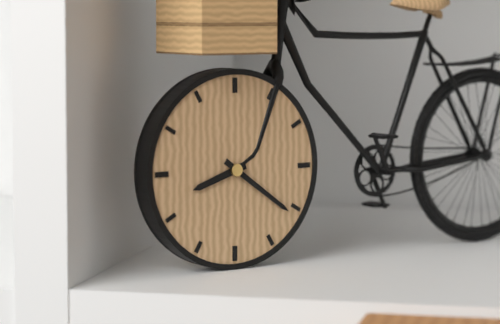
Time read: 8h21
